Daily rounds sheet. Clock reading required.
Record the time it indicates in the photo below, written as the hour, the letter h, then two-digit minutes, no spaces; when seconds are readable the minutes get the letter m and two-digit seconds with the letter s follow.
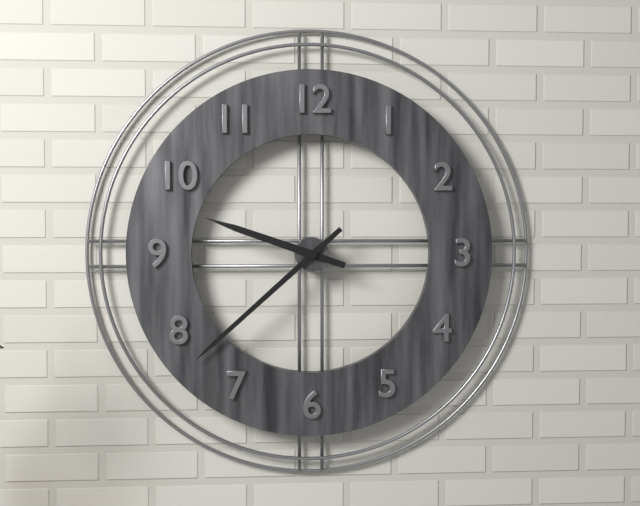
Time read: 9h38
